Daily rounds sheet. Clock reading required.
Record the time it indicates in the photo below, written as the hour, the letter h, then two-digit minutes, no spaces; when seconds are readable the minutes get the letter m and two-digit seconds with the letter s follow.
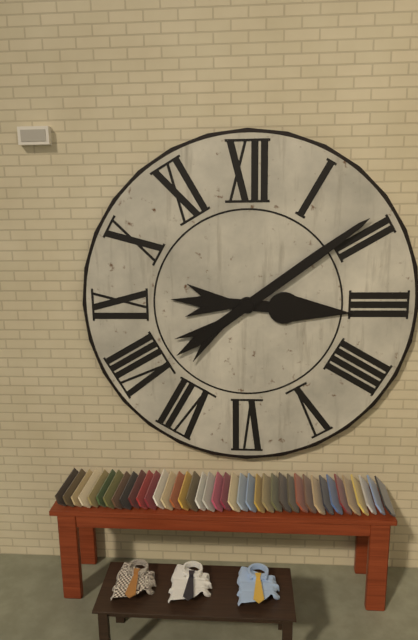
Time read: 3h09
